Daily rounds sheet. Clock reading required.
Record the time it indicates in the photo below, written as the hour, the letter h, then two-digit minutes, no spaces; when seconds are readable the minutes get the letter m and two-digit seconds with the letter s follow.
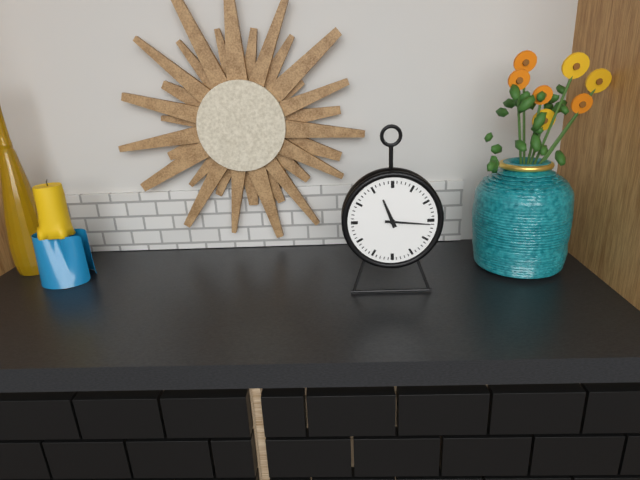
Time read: 11h16
